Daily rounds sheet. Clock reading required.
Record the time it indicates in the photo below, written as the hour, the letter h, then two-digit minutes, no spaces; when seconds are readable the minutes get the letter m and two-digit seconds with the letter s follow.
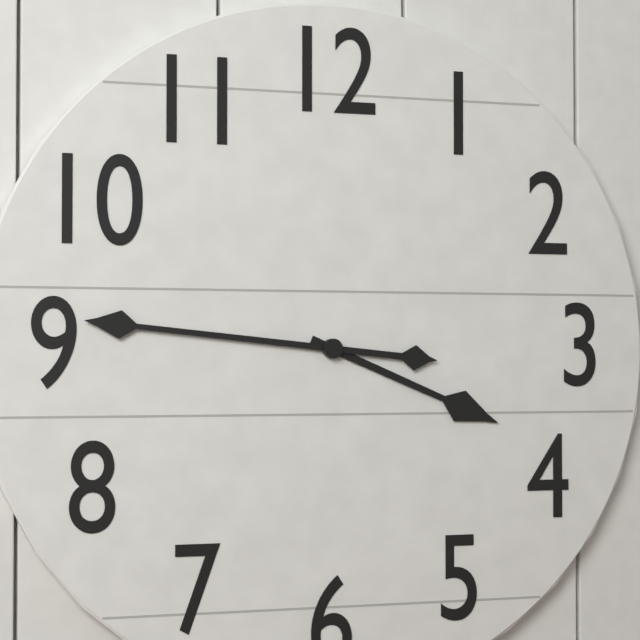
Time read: 3h46
